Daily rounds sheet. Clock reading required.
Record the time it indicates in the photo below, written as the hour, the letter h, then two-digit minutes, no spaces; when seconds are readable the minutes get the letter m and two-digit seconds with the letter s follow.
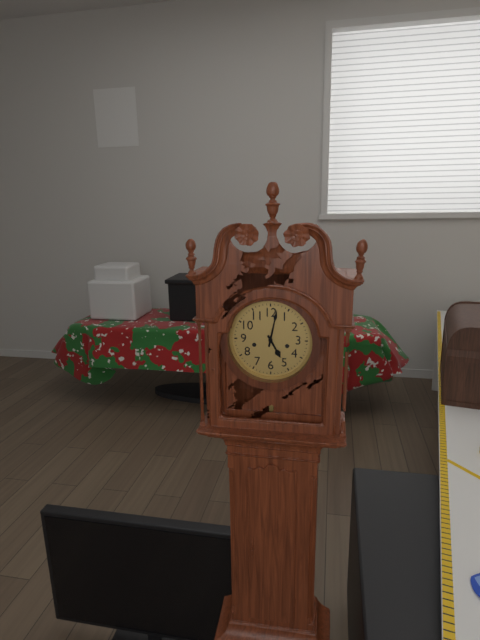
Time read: 5h02
